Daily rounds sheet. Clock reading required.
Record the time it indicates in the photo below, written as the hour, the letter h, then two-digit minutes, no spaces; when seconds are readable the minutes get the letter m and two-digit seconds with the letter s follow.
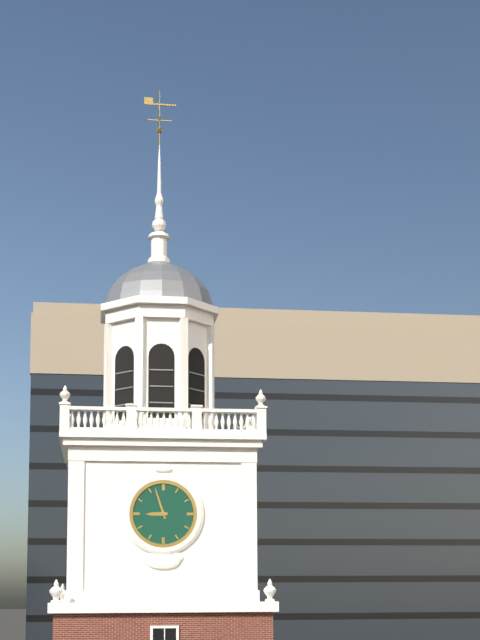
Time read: 8h57
